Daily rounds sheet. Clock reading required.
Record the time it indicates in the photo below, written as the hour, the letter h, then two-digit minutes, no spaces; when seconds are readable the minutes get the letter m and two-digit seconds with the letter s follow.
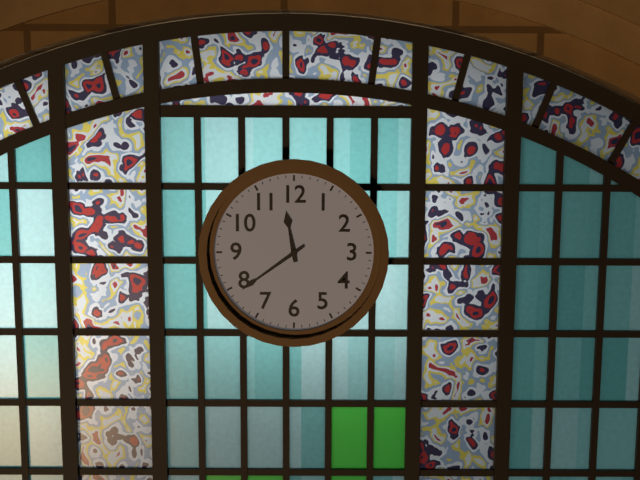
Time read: 11h39
